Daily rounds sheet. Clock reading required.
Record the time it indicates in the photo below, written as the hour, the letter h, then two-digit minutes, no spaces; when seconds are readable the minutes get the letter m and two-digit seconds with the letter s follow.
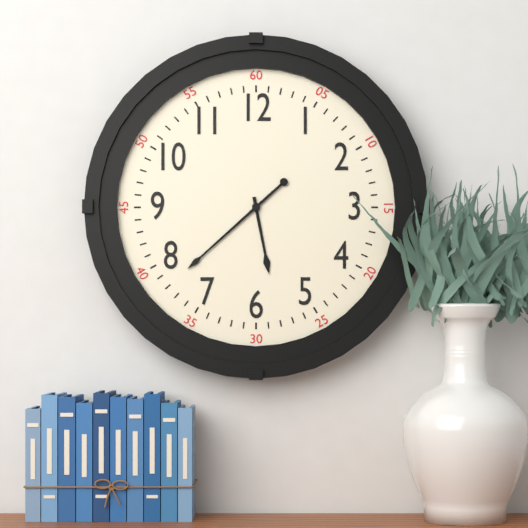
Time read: 5h38
